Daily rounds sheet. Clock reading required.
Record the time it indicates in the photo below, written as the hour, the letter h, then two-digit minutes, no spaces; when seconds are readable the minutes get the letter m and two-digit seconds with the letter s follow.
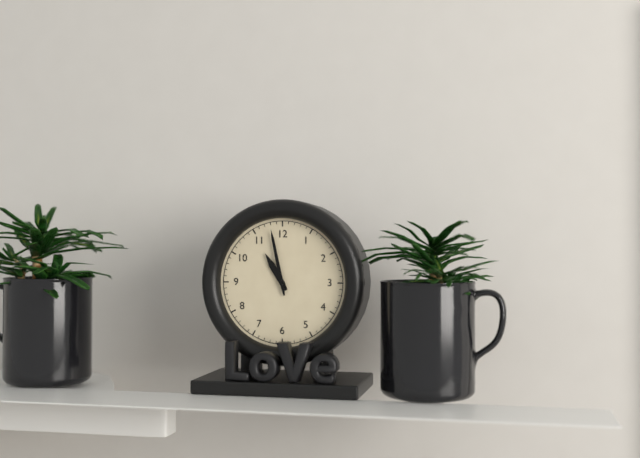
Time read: 10h58
